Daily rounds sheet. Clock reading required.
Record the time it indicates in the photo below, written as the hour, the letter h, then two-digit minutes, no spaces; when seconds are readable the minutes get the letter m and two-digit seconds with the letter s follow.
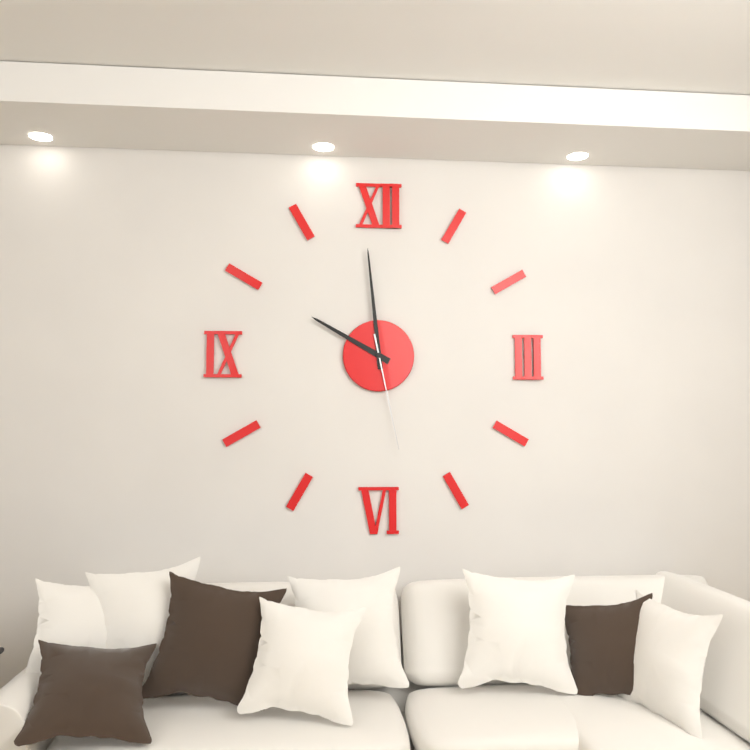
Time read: 9h59m28s
